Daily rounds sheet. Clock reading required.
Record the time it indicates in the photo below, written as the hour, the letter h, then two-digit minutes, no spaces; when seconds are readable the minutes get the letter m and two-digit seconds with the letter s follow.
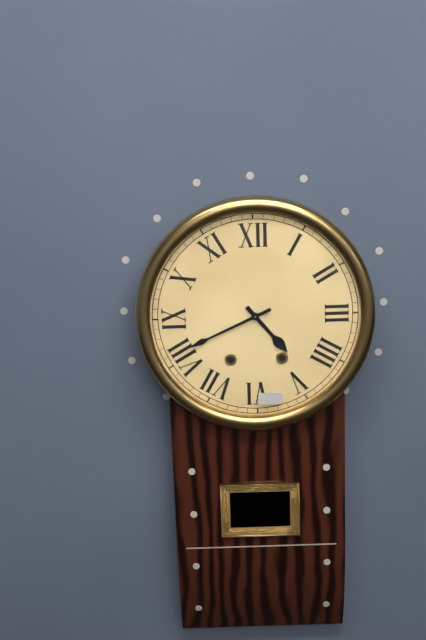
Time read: 4h41
